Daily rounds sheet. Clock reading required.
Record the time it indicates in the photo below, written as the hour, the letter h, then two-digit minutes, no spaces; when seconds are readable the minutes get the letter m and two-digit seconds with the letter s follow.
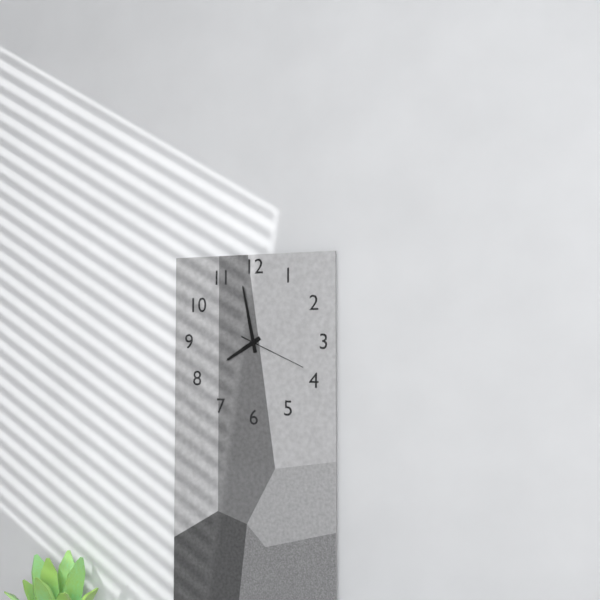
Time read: 7h58m19s
